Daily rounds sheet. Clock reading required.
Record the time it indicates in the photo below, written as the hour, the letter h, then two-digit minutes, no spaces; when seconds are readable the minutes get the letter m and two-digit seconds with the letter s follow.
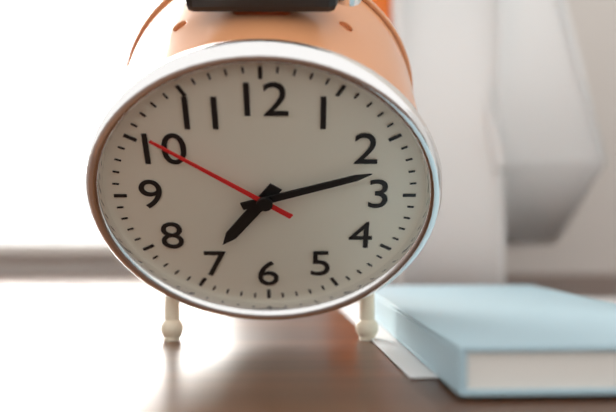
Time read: 7h12m51s
